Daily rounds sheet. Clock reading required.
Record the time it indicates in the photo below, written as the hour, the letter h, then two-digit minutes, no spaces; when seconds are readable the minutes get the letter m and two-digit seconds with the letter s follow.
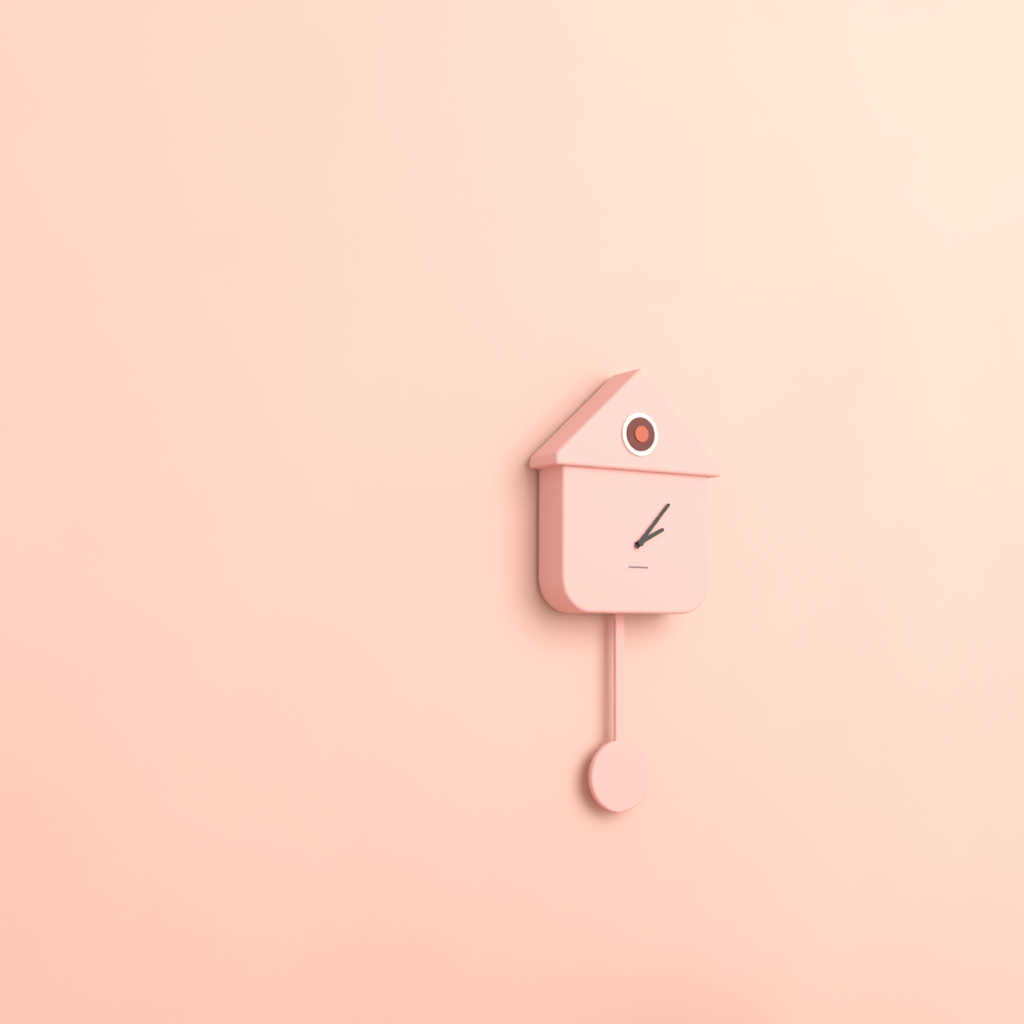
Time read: 2h07
